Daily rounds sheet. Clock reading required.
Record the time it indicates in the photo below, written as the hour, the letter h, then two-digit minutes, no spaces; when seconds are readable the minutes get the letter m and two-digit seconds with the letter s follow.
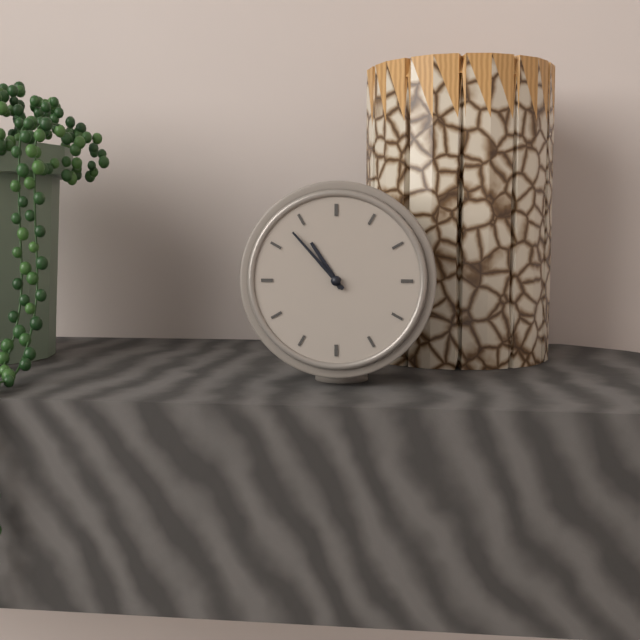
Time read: 10h53
